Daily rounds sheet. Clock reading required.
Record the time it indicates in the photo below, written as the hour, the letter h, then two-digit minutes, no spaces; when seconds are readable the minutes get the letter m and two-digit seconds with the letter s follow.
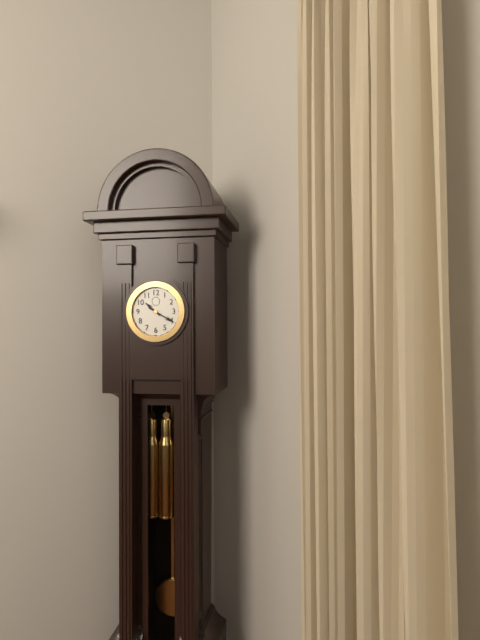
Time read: 10h20
